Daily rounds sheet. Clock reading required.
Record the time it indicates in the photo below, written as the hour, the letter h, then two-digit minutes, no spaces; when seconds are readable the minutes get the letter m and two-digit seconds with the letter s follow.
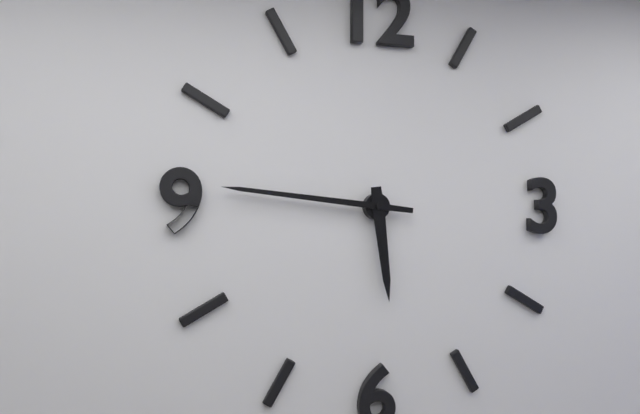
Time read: 5h46
